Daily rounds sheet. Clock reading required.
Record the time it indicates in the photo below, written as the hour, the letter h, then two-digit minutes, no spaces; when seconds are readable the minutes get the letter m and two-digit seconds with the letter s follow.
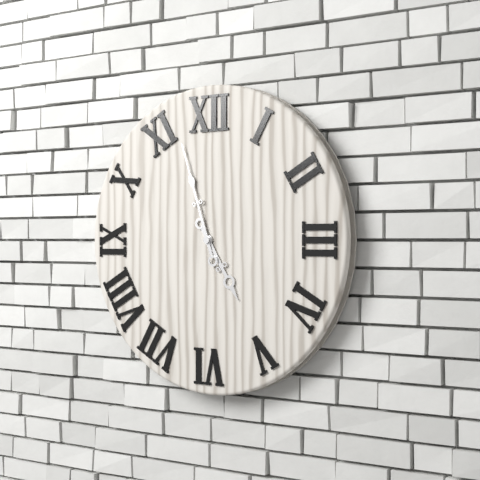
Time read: 4h57
